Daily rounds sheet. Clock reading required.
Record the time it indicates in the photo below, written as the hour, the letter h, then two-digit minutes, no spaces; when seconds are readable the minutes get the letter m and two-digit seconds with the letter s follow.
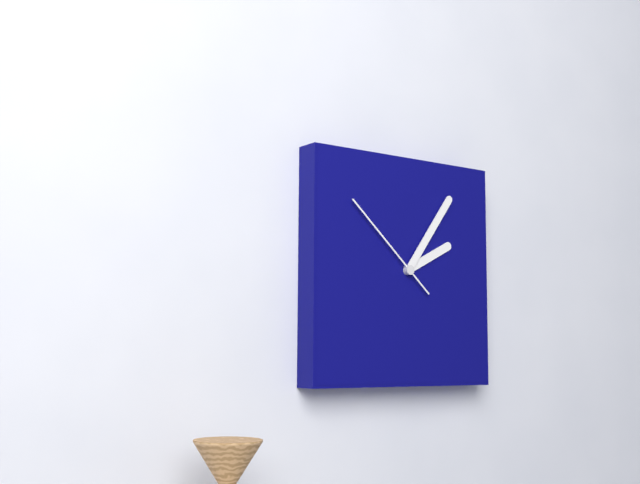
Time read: 2h06m52s
